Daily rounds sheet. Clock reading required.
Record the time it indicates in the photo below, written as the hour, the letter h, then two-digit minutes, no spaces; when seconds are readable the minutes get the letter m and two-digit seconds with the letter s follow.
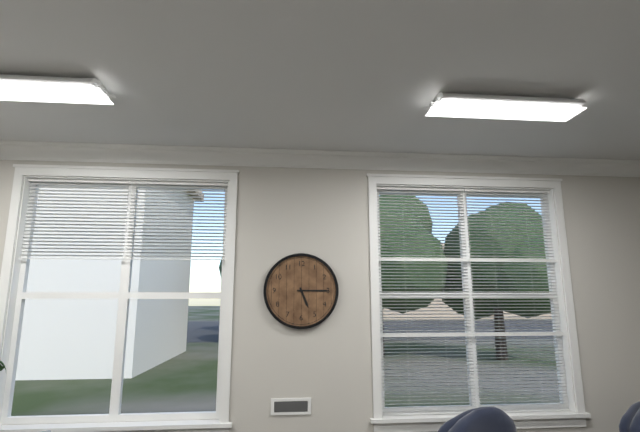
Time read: 5h15
